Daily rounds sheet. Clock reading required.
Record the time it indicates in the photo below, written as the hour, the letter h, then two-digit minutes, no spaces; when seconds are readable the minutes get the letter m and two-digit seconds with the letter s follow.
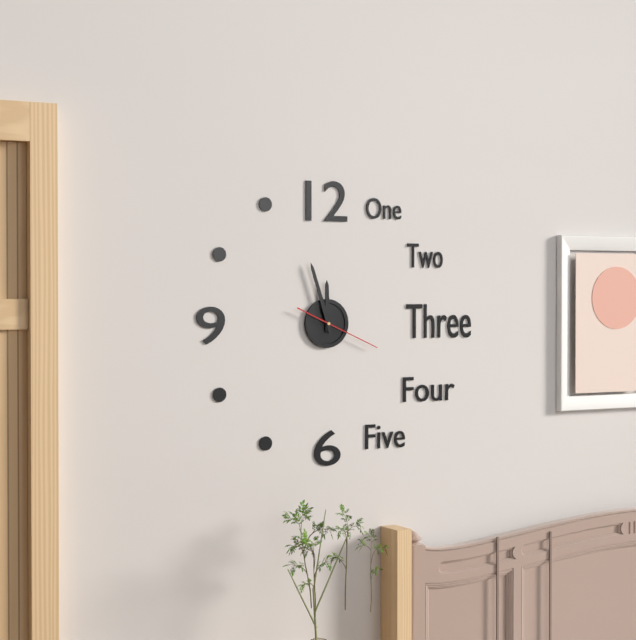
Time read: 11h57m19s
